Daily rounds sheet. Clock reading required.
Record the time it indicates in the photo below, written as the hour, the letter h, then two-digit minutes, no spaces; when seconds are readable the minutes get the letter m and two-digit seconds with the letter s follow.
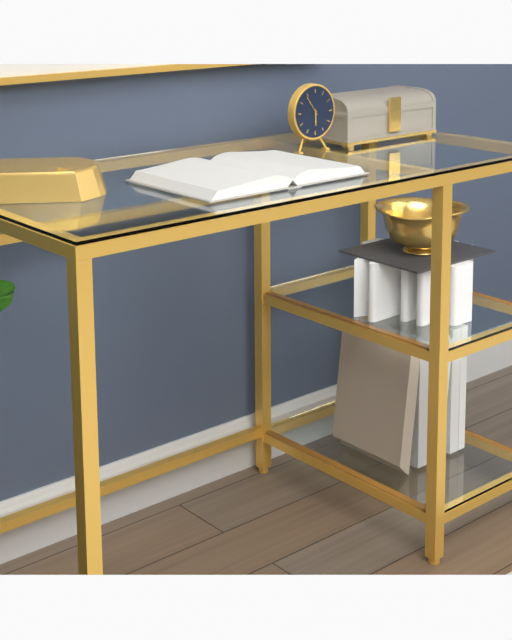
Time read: 5h54
